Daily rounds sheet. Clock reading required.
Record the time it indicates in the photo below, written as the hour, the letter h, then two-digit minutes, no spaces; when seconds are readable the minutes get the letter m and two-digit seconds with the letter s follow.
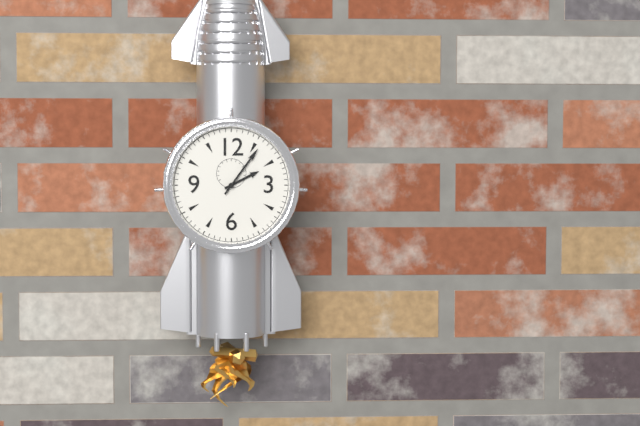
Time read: 2h06
